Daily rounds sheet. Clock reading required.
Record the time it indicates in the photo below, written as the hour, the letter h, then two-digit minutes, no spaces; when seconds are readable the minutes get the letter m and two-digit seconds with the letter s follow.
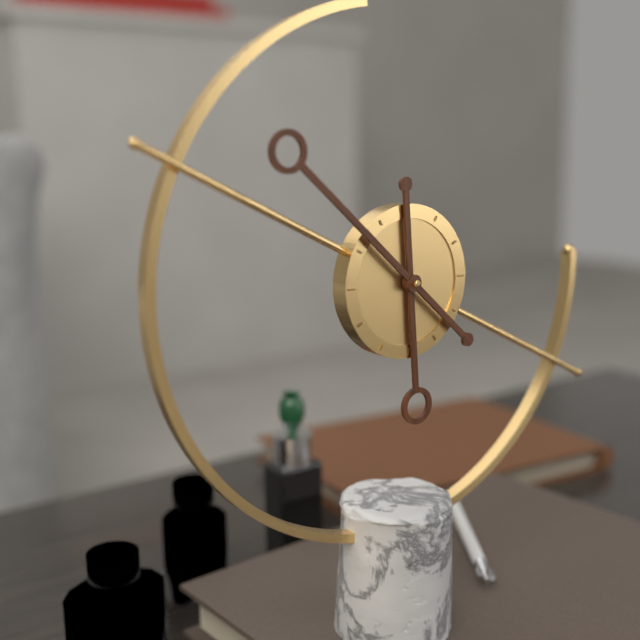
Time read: 5h52
